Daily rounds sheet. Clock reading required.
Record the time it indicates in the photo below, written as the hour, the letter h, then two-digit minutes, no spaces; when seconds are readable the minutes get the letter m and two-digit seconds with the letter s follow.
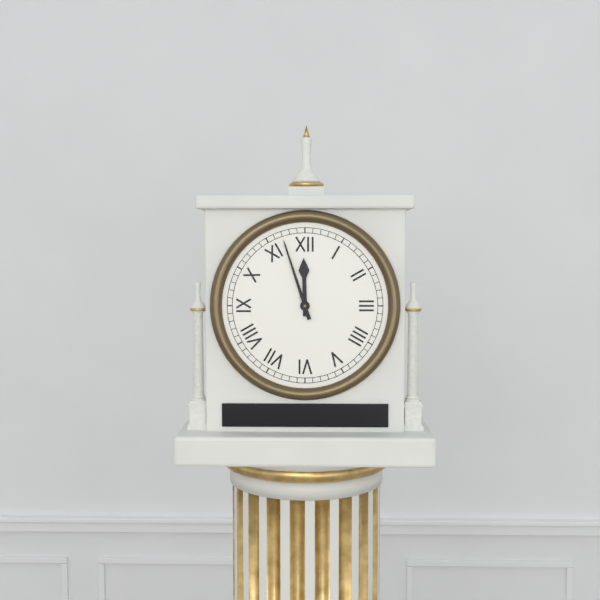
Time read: 11h57
